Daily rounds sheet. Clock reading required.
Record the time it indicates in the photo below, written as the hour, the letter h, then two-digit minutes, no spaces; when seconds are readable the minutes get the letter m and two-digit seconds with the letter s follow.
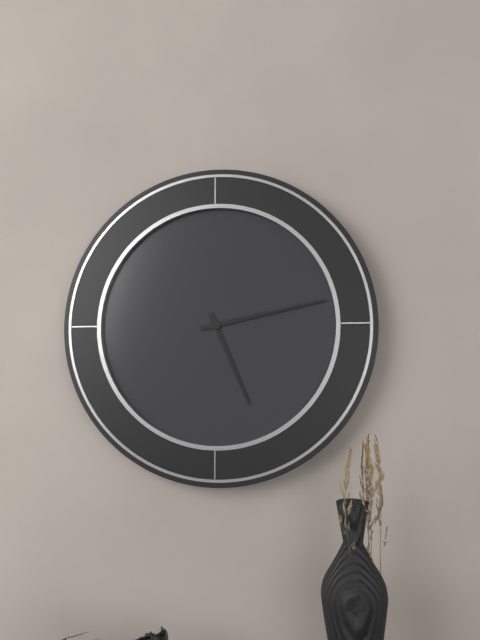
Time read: 5h13
